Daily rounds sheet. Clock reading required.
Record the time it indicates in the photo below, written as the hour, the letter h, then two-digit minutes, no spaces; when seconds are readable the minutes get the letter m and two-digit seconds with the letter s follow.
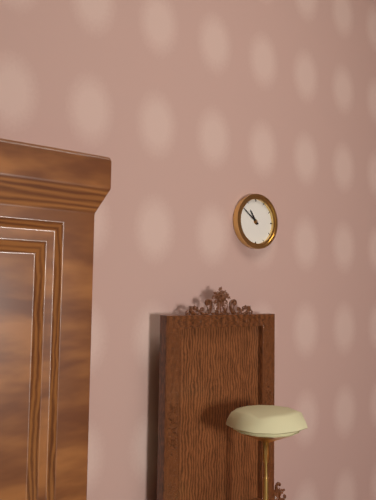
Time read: 10h51
